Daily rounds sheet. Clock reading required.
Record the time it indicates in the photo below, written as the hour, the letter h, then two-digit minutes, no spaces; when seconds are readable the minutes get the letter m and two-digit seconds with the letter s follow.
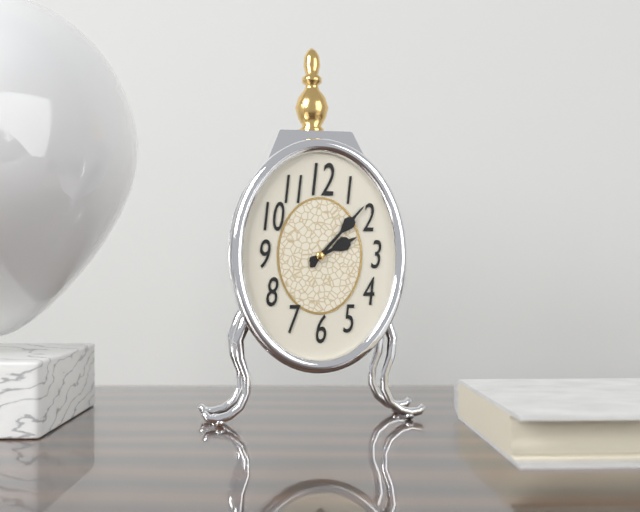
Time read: 2h07
